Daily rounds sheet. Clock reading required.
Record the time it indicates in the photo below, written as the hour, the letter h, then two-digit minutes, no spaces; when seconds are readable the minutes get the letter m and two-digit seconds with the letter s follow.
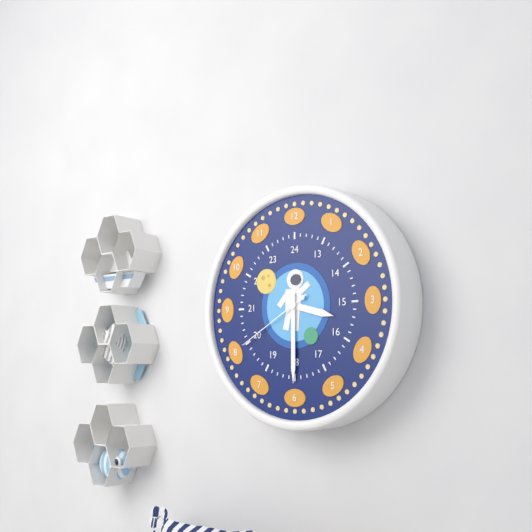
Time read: 3h30m40s
